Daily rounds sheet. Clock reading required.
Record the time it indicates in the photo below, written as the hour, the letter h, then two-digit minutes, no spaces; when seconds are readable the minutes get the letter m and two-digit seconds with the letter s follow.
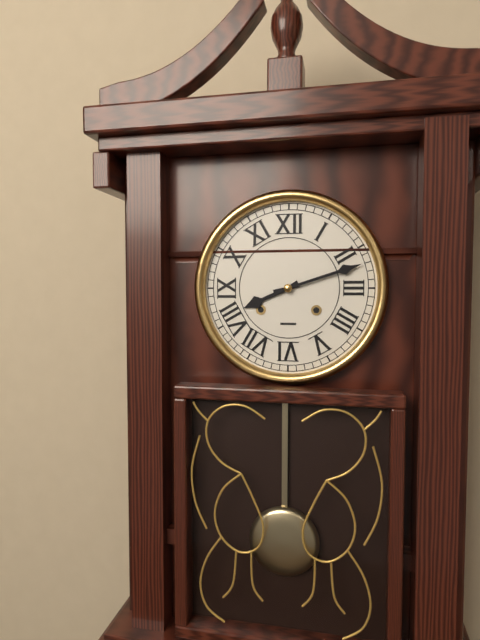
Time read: 8h12
